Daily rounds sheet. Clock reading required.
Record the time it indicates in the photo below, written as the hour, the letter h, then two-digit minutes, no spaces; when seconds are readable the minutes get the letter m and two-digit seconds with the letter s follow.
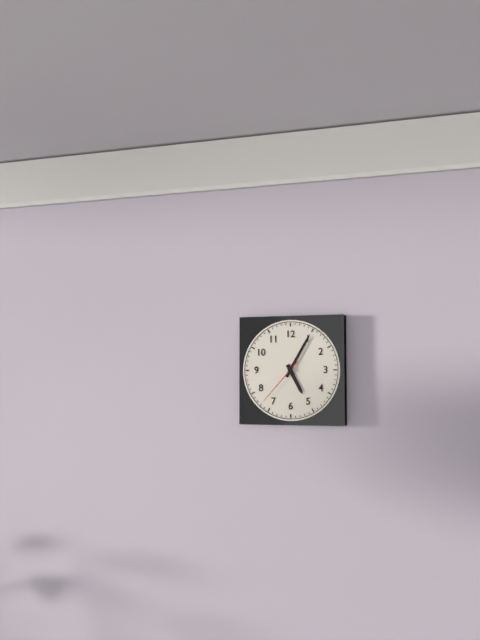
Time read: 5h05m37s
